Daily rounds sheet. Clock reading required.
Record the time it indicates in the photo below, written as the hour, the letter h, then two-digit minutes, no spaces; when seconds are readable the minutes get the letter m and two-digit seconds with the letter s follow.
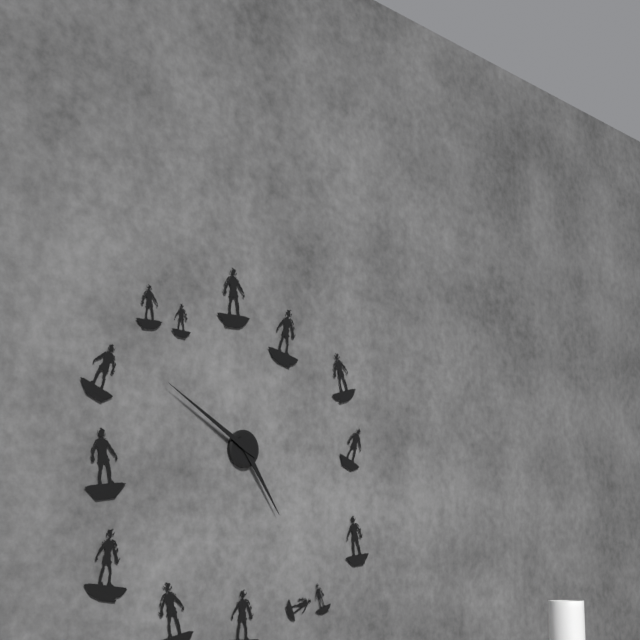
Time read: 4h50
